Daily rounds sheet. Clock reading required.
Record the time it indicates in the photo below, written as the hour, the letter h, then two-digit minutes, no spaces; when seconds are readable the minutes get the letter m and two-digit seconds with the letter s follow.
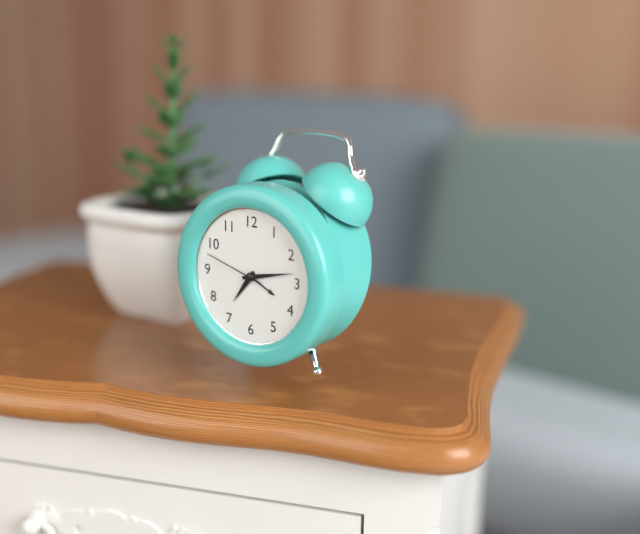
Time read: 7h13m48s
